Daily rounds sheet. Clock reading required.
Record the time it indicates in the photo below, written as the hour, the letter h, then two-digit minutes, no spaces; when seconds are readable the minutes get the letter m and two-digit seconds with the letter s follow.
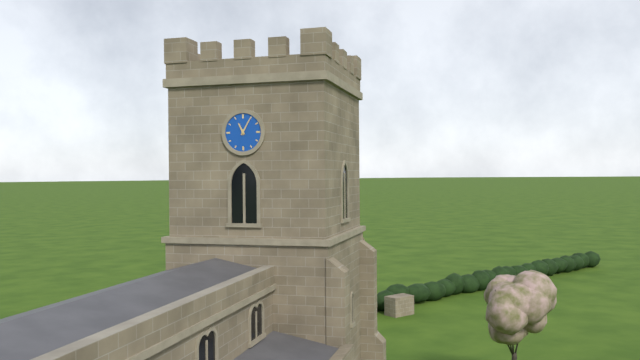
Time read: 11h05
